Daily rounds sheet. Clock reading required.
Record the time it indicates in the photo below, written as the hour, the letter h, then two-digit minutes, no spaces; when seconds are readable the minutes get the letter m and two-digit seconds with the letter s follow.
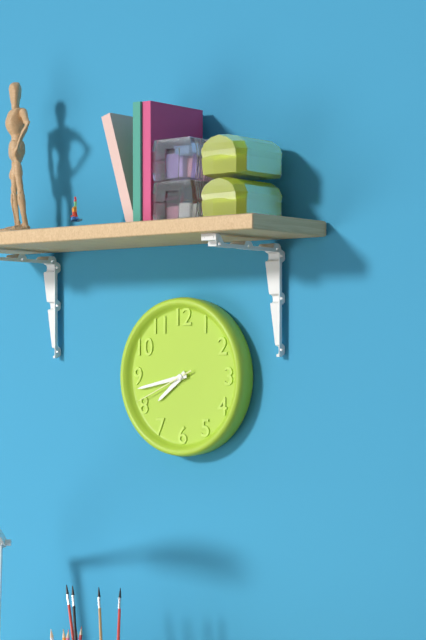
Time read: 7h43m41s
